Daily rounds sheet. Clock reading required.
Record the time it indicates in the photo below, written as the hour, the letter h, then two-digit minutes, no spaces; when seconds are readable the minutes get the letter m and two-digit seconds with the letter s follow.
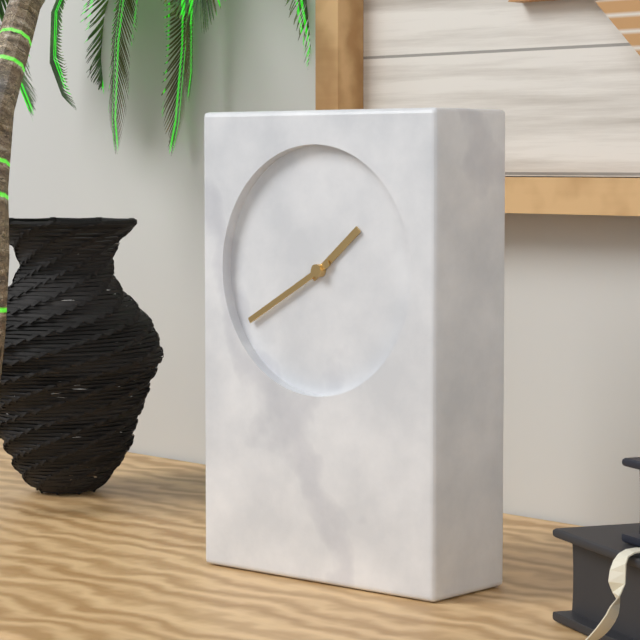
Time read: 1h40
